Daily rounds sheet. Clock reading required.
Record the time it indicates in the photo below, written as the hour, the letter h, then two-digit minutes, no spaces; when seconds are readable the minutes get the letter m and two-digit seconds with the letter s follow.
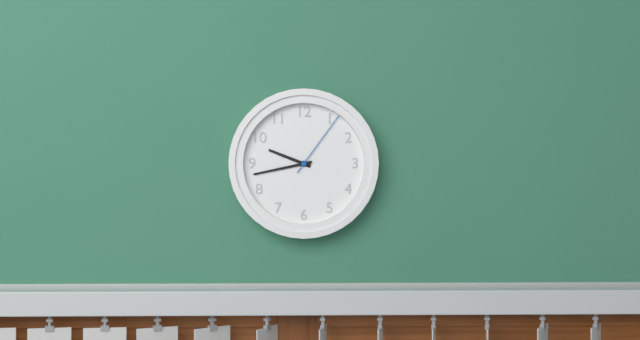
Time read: 9h43m06s
